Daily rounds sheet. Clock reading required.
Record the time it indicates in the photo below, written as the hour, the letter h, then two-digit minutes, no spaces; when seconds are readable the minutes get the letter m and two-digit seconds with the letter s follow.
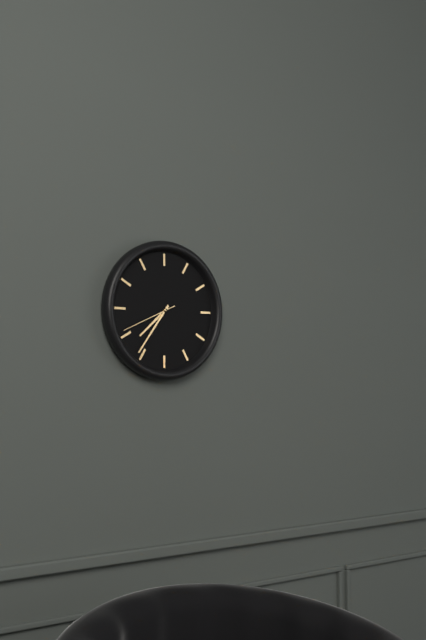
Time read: 7h36m41s
